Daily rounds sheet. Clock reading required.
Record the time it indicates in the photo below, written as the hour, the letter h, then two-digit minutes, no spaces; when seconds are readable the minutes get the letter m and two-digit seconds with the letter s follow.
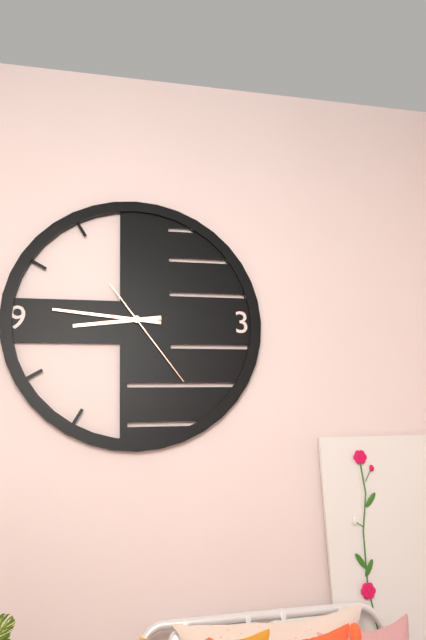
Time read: 8h46m24s
